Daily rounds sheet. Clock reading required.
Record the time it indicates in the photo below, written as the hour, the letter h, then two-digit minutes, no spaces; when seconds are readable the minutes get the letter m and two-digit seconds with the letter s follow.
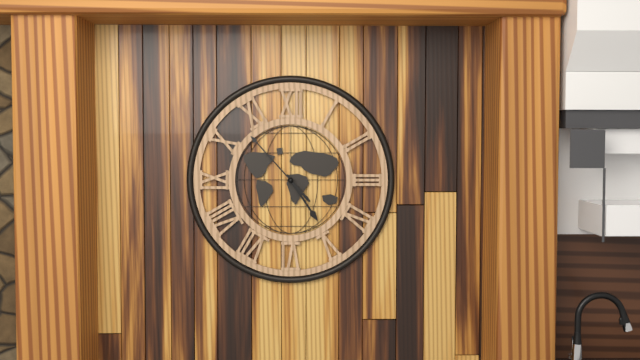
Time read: 4h53
